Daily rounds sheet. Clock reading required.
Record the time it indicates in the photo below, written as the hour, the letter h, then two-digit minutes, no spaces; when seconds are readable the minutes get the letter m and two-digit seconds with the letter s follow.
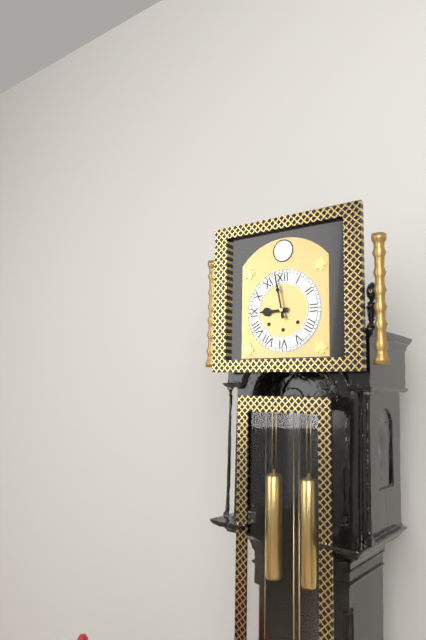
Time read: 8h58
